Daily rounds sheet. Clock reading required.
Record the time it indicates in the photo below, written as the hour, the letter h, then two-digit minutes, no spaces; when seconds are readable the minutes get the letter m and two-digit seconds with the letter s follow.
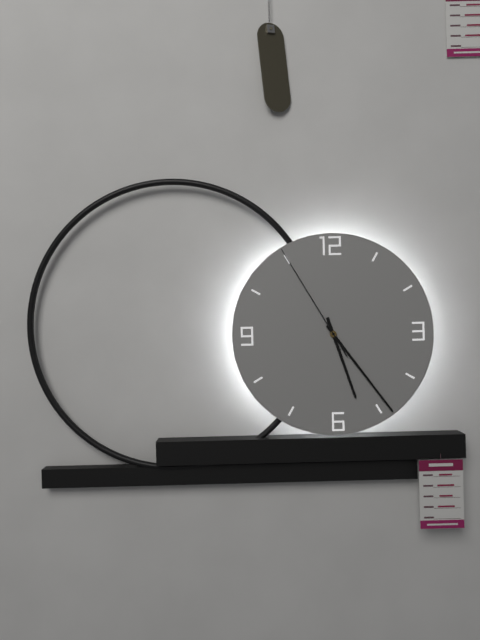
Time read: 5h24m55s
